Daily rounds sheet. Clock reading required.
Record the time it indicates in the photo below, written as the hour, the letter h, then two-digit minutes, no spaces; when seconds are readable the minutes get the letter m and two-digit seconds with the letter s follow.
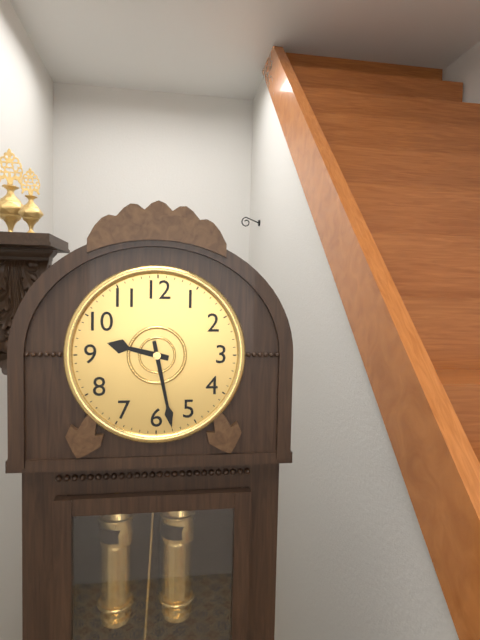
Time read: 9h28
